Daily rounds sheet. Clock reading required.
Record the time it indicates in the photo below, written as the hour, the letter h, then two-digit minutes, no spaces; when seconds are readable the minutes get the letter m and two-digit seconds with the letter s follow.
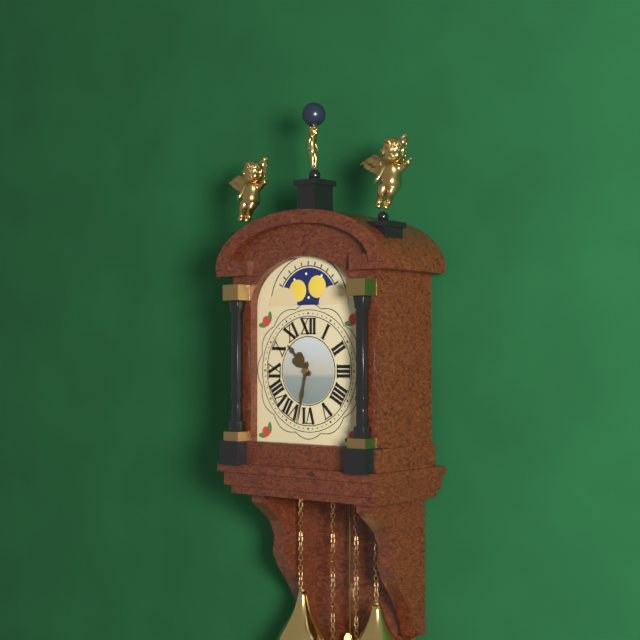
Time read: 10h32
